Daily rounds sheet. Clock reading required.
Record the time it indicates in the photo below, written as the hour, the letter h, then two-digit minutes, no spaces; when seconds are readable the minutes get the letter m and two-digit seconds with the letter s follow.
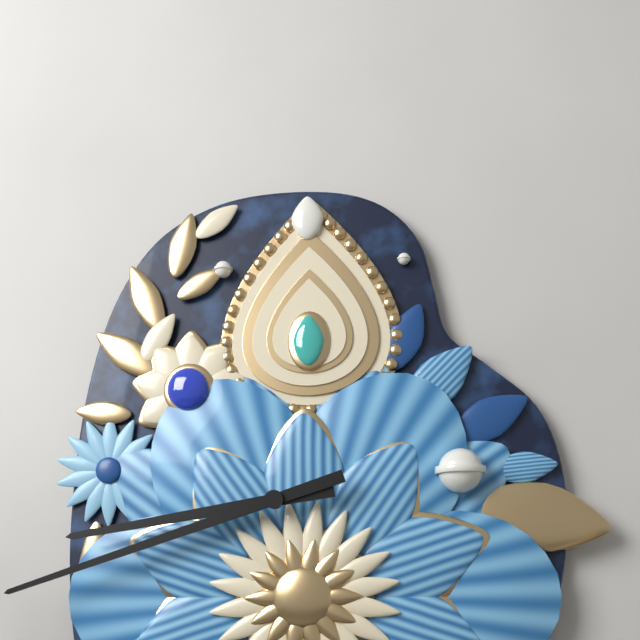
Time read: 8h42
